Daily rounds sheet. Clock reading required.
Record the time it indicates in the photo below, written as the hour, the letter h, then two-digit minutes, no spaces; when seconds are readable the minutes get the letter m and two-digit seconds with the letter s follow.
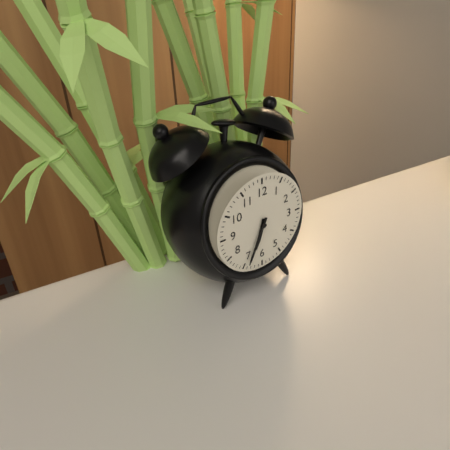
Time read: 6h34
